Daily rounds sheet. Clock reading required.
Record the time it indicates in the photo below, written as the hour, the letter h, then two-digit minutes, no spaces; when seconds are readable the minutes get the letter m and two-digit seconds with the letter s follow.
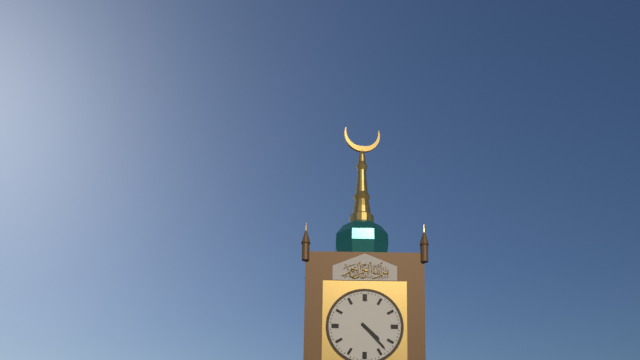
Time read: 4h23
